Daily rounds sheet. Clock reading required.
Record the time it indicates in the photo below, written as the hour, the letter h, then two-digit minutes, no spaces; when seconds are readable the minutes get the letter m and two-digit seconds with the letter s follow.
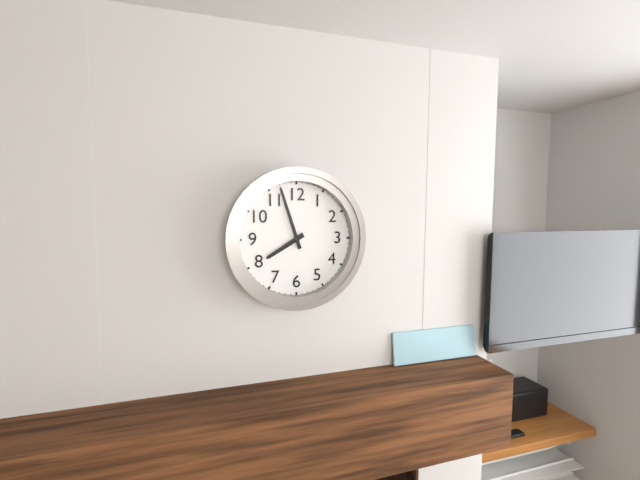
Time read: 7h57
